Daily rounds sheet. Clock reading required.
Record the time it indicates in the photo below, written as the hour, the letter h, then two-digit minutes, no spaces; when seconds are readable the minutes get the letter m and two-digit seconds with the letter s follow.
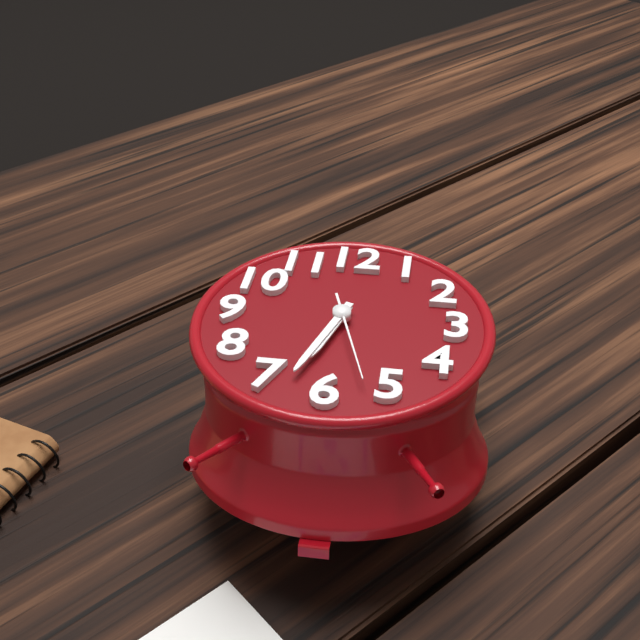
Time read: 6h33m27s
